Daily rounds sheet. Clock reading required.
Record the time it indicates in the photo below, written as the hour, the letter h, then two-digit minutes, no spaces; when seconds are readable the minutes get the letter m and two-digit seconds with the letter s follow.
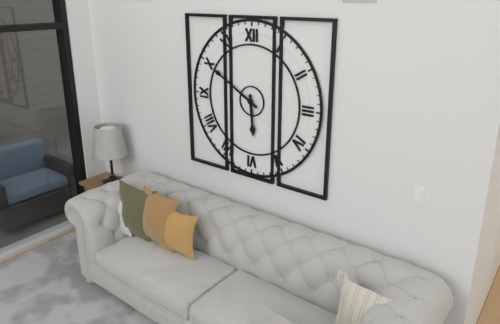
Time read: 5h50
